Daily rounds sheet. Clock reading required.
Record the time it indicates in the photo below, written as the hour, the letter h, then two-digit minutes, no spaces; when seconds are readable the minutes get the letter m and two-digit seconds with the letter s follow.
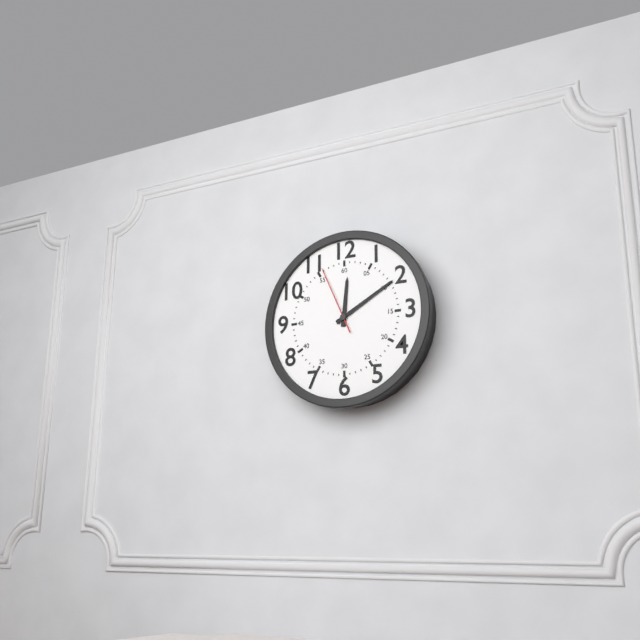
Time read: 12h10m56s
